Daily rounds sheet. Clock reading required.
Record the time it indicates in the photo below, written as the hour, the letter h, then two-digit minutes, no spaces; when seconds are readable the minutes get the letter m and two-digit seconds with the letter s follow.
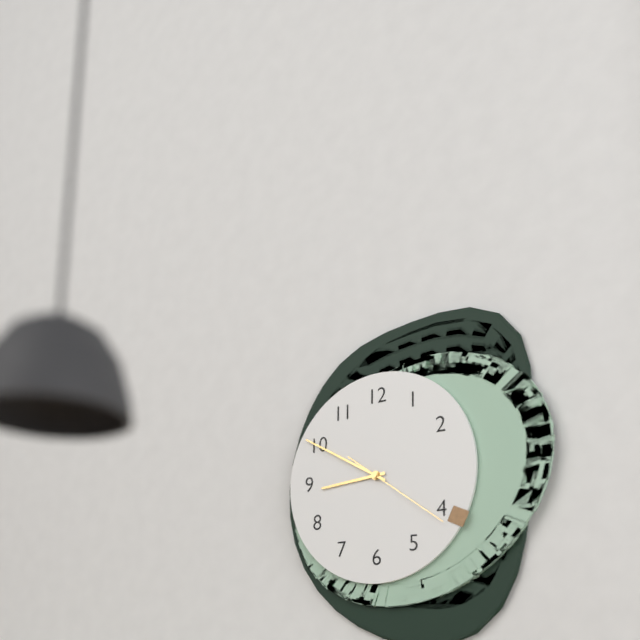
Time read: 8h50m21s
